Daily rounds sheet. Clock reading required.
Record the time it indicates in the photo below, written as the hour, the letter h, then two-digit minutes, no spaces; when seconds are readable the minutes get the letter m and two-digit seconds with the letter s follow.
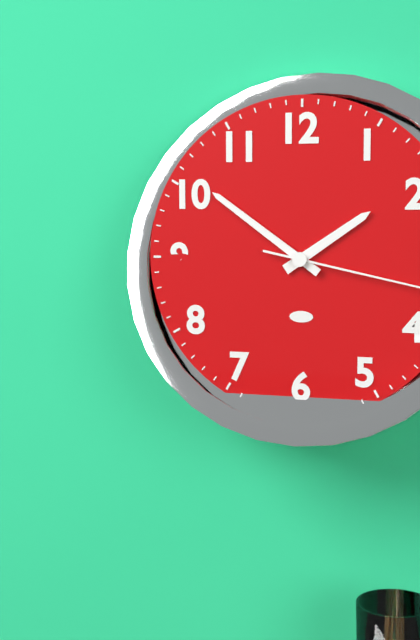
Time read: 1h51
